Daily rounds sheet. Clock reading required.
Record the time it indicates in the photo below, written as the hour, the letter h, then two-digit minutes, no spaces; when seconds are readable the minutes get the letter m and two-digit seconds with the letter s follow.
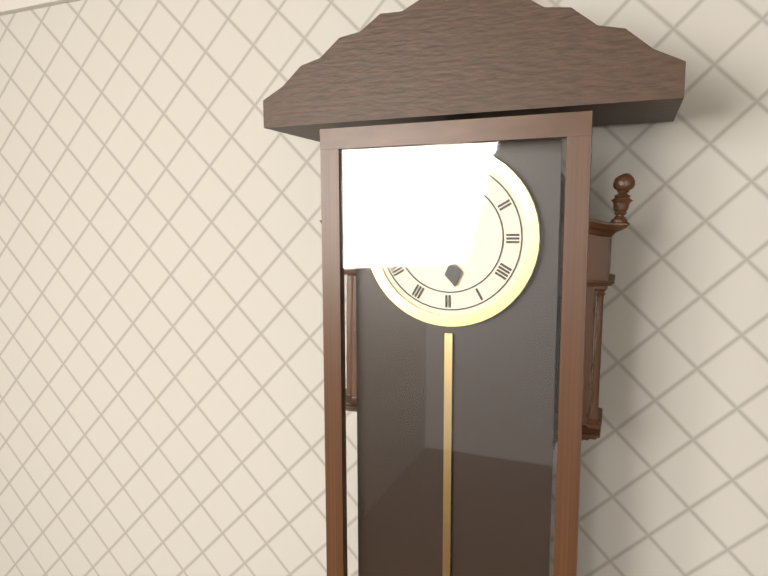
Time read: 5h41
